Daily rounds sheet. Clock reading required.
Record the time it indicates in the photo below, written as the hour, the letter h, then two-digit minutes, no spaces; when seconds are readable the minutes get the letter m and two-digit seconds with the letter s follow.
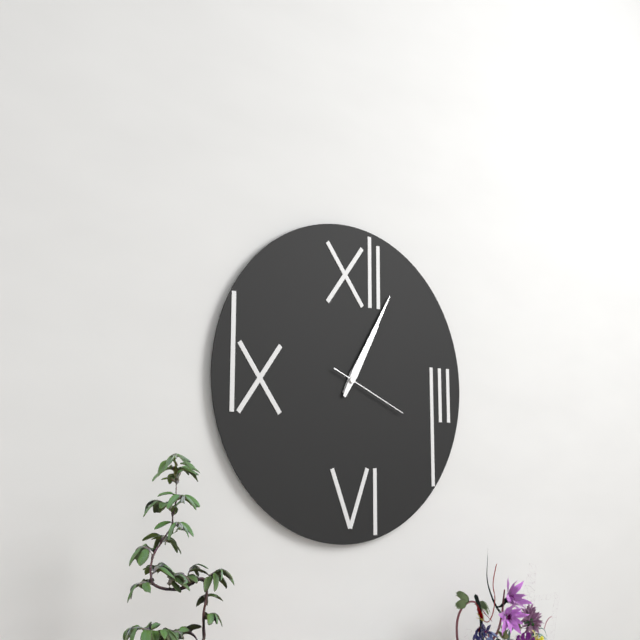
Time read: 1h05m19s
